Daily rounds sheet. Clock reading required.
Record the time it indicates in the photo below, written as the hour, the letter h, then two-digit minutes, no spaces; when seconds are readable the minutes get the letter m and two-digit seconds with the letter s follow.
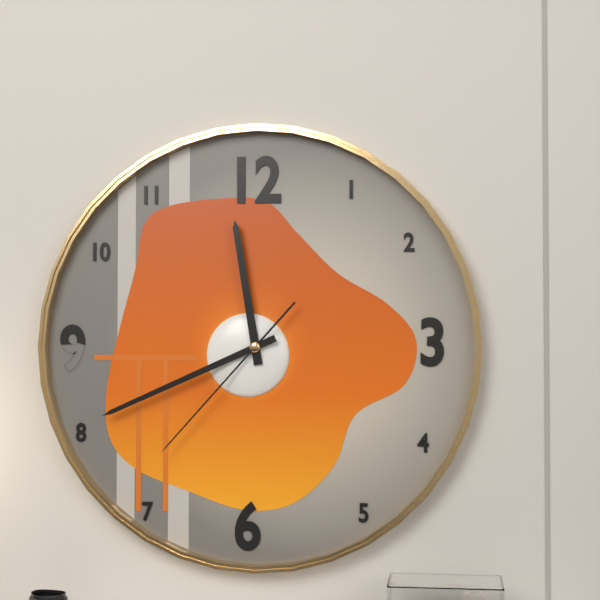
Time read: 11h41m37s
